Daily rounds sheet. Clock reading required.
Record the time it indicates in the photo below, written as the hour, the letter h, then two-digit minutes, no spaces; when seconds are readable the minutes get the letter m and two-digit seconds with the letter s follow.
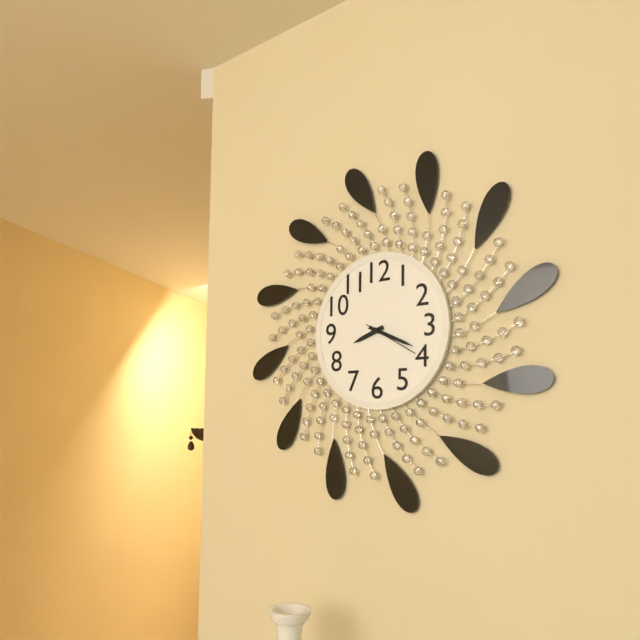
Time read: 8h19m20s
